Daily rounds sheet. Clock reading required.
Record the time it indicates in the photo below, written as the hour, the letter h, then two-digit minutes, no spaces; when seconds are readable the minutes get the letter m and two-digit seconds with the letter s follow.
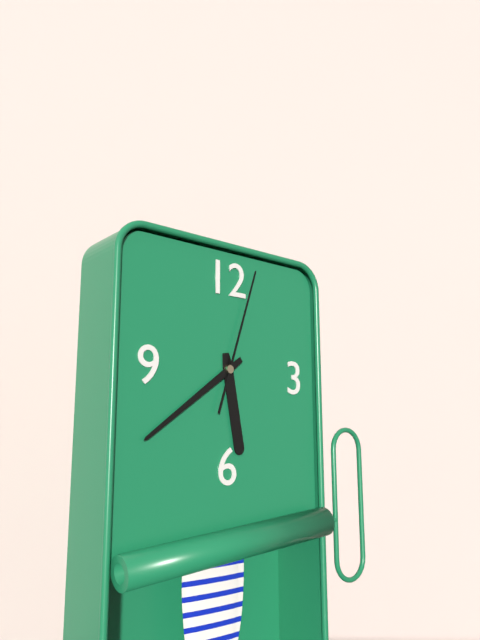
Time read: 5h39m03s
